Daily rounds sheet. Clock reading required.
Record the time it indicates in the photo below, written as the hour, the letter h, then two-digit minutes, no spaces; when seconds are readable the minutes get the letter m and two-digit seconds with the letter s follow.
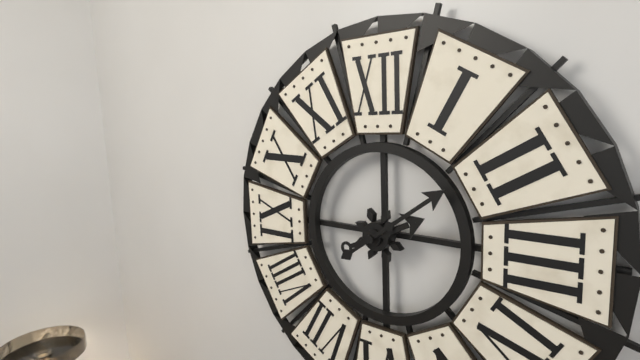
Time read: 2h09
